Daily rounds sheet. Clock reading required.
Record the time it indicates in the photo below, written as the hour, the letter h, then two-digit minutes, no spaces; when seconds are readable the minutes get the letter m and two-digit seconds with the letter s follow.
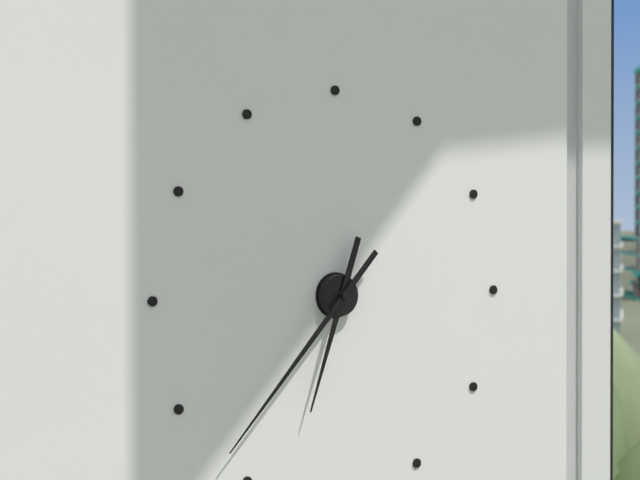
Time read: 6h37
